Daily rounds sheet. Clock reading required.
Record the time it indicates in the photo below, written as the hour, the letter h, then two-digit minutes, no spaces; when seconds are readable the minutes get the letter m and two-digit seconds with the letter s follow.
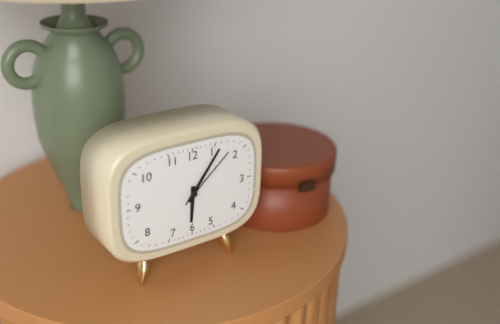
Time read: 6h06m08s
